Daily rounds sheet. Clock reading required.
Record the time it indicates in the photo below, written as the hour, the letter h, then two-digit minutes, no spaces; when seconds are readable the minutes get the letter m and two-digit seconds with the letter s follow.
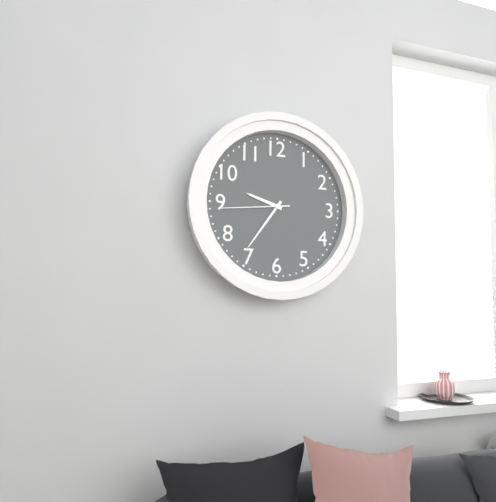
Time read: 9h36m44s
